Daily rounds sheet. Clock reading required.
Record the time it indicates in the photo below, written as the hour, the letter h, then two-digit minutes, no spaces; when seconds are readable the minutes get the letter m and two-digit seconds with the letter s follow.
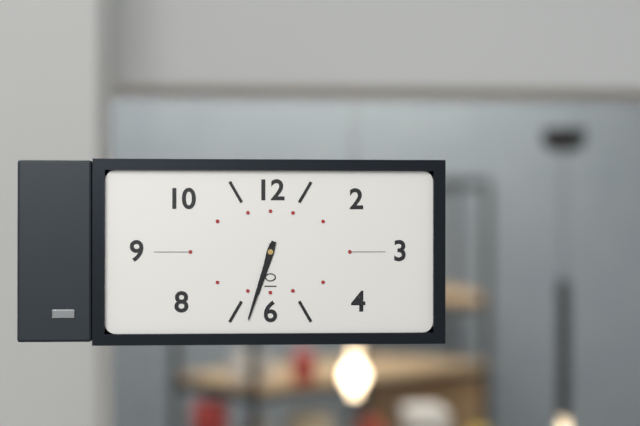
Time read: 6h33
